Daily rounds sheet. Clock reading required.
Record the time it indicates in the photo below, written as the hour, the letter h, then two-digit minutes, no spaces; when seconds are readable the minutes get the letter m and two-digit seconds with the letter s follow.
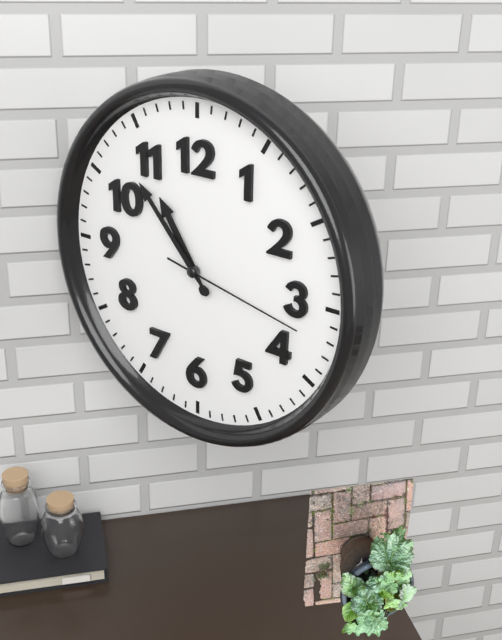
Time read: 10h53m17s
